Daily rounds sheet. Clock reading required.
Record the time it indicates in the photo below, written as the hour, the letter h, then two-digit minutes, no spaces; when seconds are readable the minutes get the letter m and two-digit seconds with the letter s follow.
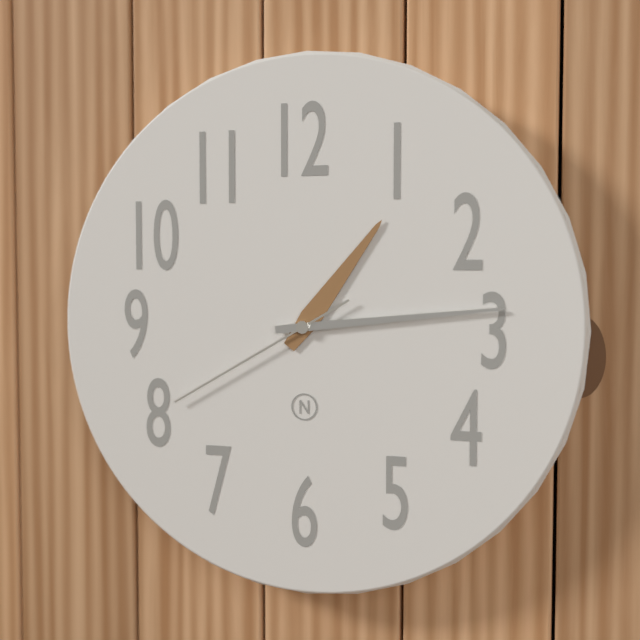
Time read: 1h14m40s
